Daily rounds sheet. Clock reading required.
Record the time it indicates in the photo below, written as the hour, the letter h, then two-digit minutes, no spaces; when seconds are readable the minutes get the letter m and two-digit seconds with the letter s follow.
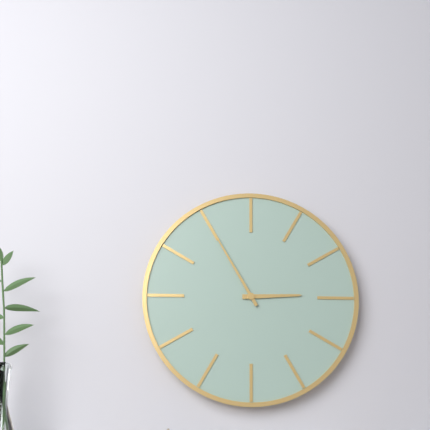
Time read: 2h55
